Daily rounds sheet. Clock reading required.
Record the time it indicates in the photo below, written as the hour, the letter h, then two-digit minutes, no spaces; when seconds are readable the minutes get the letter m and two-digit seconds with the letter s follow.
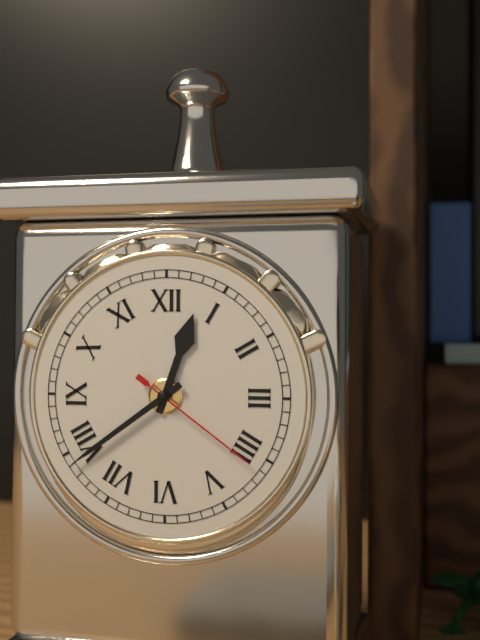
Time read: 12h39m21s
